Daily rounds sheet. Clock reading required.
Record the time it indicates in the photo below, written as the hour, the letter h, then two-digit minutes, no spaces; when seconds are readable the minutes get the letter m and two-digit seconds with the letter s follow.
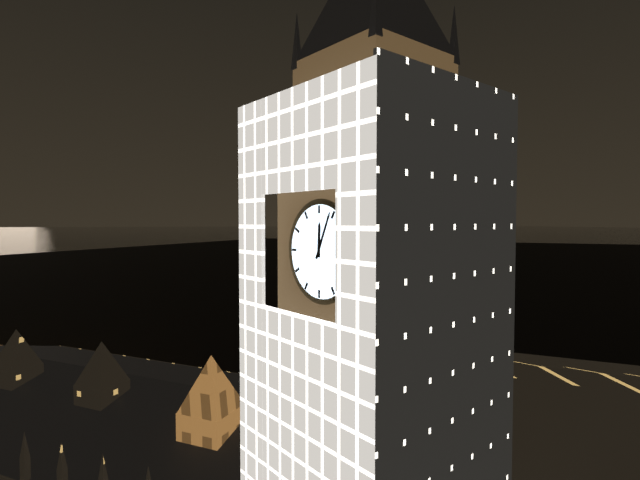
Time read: 12h04
